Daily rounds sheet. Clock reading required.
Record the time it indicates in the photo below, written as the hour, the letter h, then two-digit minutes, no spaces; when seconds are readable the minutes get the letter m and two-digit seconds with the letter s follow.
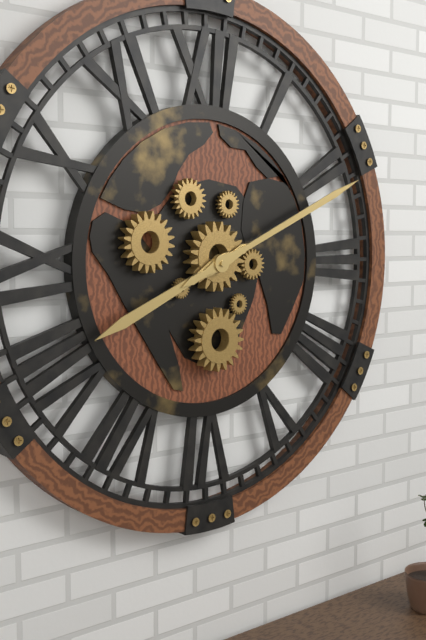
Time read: 8h11
